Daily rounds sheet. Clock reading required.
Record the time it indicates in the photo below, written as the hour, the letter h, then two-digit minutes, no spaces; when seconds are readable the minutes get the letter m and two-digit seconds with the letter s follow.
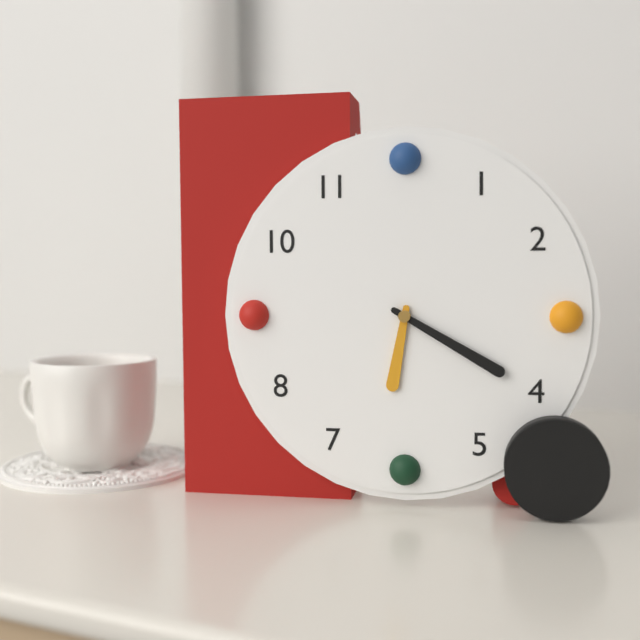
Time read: 6h20
